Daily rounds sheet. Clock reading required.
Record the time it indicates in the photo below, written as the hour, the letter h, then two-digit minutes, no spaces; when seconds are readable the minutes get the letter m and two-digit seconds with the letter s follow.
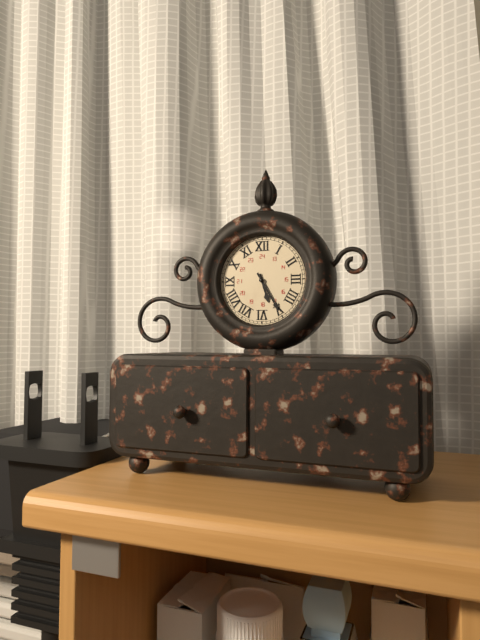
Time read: 5h25
